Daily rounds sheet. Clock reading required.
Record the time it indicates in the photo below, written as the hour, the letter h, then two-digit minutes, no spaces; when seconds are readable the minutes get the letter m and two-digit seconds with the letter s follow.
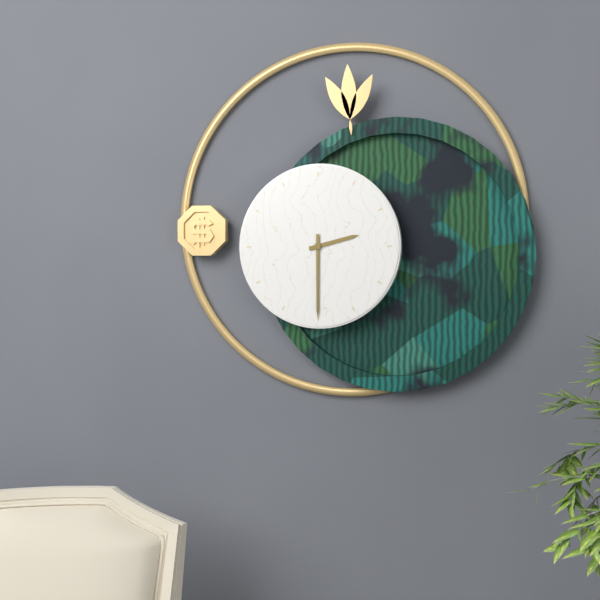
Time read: 2h30
